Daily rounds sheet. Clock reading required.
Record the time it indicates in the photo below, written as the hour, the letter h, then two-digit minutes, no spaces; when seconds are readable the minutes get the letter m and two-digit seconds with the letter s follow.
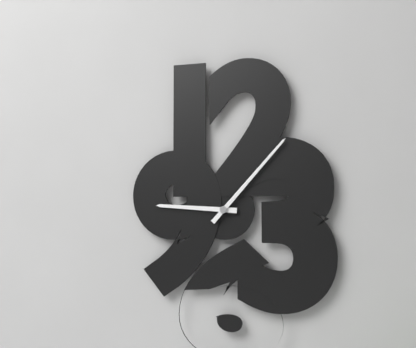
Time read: 9h07
